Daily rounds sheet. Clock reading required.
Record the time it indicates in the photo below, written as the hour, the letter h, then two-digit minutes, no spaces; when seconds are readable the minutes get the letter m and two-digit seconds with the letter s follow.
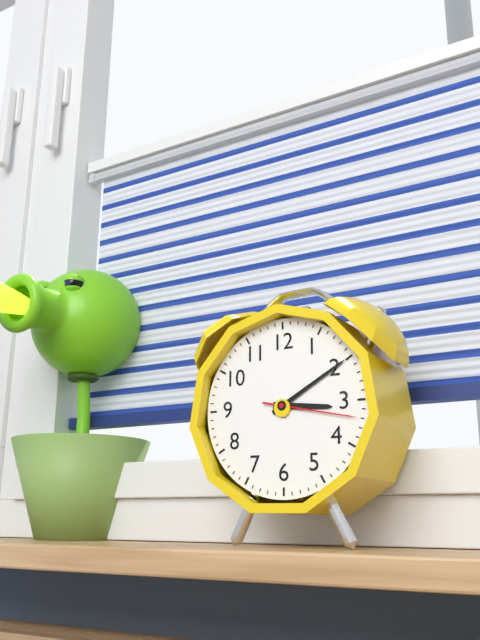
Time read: 3h10m17s
